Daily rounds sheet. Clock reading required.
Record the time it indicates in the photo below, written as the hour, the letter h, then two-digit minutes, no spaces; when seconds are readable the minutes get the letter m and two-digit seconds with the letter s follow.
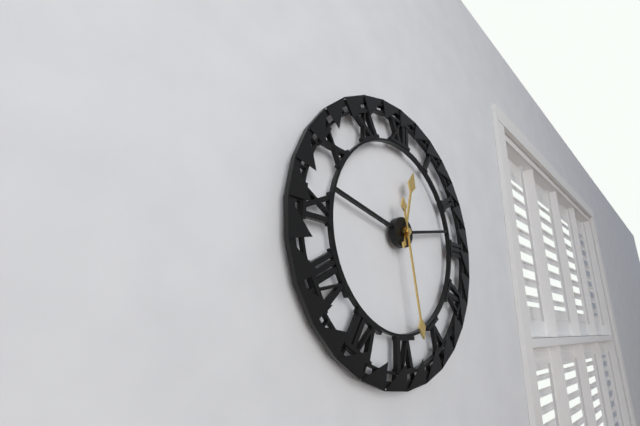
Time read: 12h28
